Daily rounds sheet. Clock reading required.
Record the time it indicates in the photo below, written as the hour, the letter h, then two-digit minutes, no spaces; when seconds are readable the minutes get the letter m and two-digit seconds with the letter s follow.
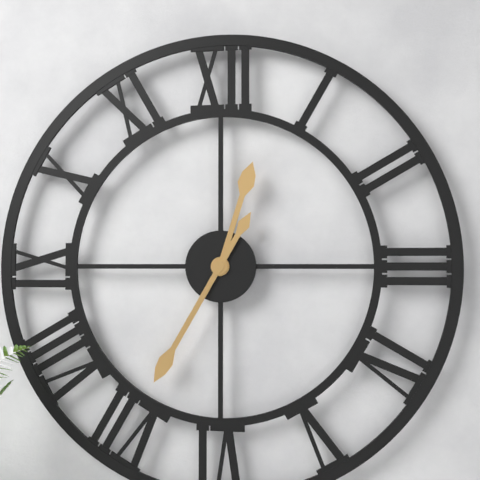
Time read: 12h35
